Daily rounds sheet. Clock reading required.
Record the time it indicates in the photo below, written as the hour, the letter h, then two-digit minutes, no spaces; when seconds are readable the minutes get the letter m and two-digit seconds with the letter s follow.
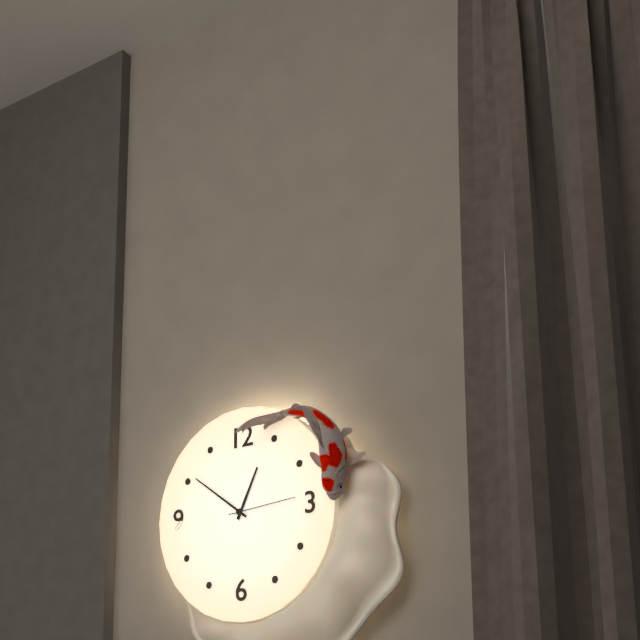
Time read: 12h51m14s
